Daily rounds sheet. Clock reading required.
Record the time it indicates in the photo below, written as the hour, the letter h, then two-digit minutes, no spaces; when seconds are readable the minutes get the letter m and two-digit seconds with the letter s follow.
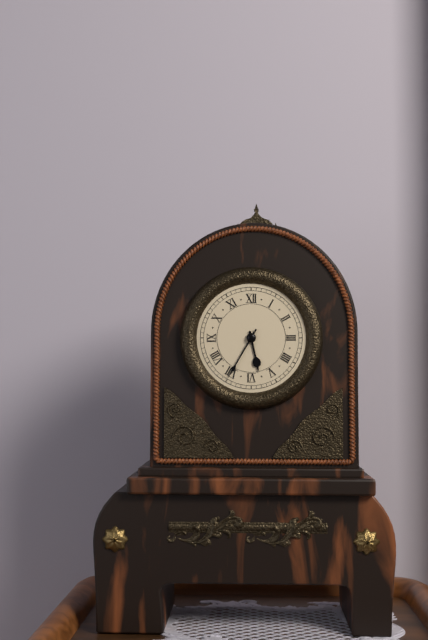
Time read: 5h35
